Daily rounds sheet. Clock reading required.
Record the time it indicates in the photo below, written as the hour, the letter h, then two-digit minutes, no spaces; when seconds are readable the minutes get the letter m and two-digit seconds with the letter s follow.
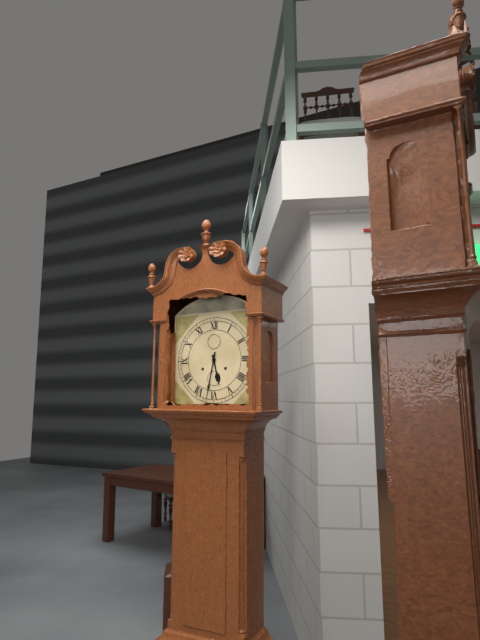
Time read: 5h32
